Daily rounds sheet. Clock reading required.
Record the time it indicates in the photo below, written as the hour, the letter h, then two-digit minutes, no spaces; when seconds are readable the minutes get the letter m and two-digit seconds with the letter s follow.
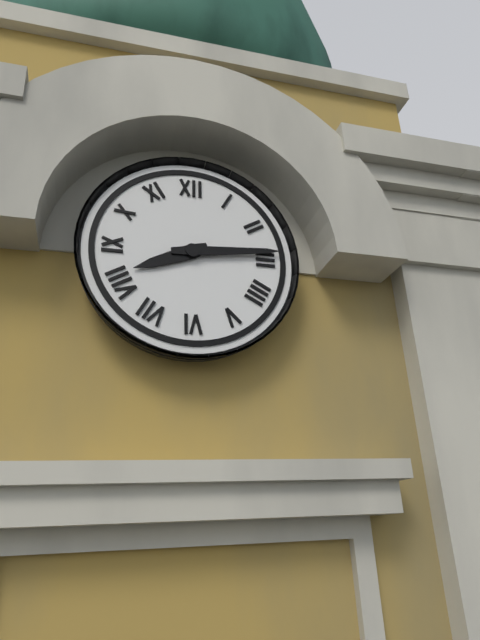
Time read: 8h14
